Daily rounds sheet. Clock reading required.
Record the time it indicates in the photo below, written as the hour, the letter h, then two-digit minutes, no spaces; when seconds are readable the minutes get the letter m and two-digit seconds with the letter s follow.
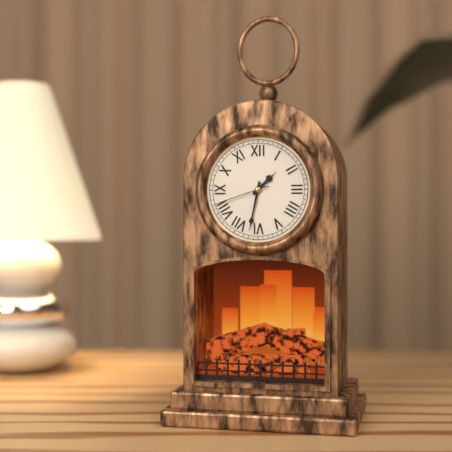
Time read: 1h32m42s
